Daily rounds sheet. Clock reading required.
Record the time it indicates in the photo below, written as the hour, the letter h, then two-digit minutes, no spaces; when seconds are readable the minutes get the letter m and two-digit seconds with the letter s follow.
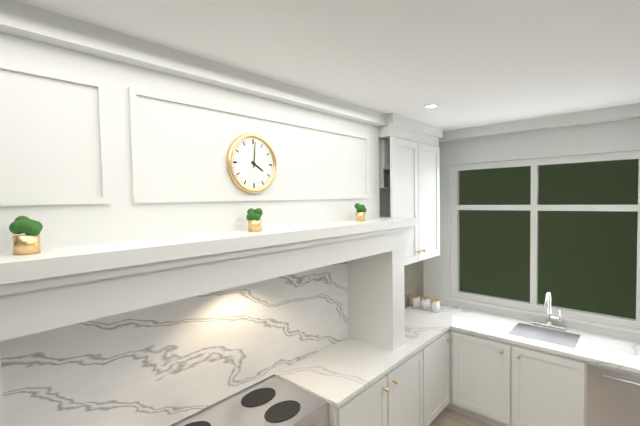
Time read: 4h01
